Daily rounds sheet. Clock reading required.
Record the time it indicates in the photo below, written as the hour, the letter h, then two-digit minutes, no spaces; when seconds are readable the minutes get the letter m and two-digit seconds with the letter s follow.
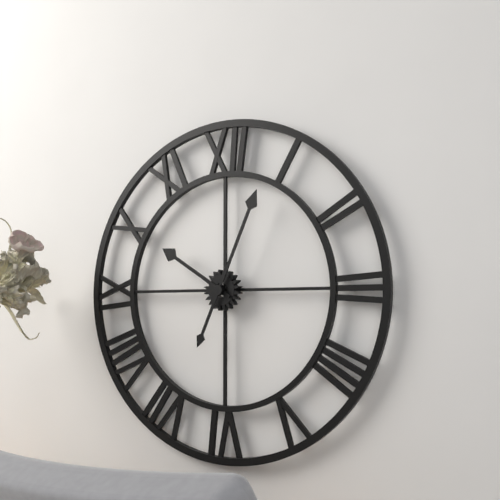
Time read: 10h04
